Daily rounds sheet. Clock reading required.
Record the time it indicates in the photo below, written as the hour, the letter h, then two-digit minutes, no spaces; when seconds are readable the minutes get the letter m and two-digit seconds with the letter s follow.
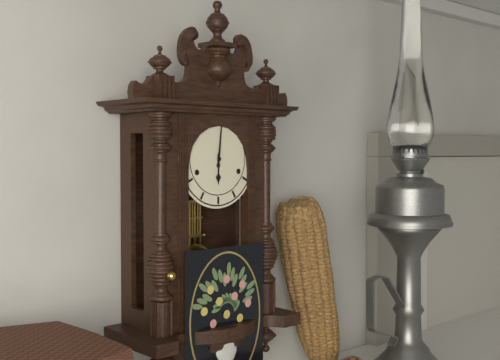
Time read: 6h01
